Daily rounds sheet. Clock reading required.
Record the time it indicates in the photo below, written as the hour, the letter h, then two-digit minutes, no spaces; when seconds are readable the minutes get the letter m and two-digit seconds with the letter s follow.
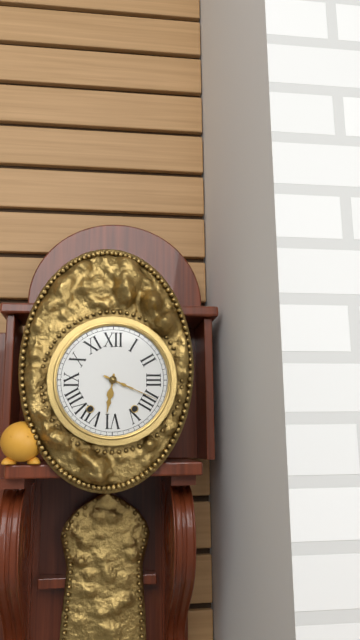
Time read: 6h19
